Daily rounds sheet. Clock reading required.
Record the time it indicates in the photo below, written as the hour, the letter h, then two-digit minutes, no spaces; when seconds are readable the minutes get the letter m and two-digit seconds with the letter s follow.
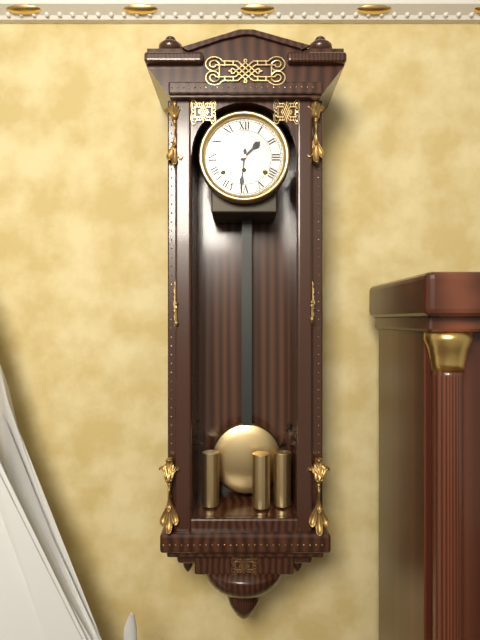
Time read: 1h31
